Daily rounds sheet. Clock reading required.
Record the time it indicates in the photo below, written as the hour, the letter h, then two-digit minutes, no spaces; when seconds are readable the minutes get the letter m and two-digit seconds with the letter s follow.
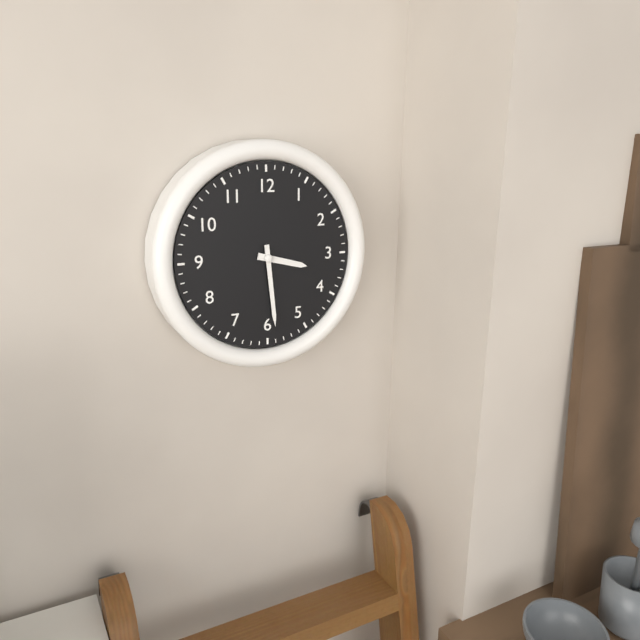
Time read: 3h29
